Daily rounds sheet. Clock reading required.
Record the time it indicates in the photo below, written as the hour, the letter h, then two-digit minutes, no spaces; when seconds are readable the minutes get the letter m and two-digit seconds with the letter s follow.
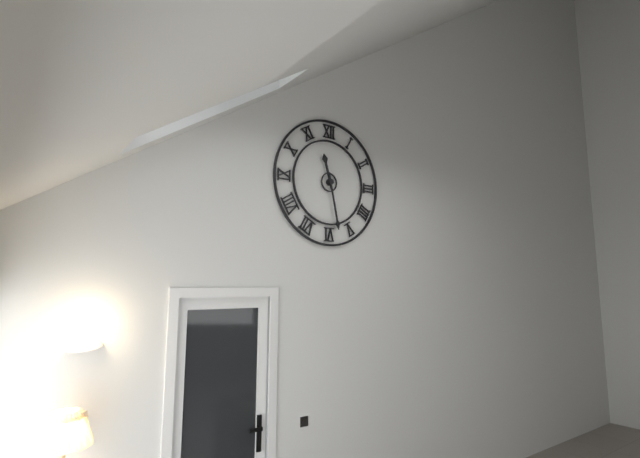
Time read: 11h28
